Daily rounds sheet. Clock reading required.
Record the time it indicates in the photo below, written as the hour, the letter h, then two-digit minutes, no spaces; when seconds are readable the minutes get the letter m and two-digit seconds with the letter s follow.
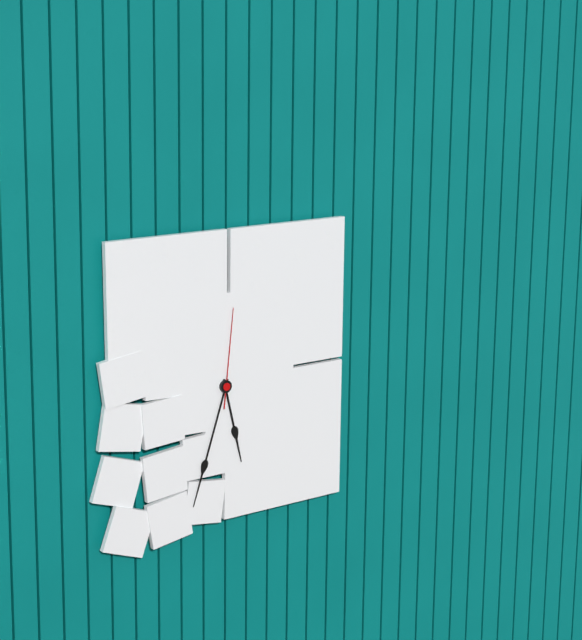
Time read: 5h33m01s
